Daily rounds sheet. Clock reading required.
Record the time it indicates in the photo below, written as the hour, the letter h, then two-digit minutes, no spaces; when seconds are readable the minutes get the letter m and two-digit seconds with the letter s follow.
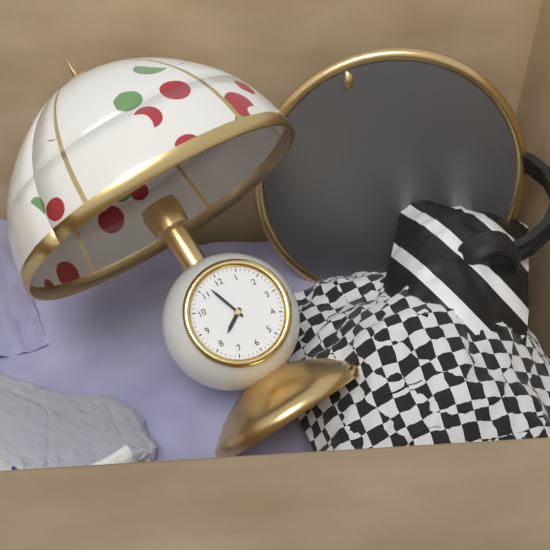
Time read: 7h57
